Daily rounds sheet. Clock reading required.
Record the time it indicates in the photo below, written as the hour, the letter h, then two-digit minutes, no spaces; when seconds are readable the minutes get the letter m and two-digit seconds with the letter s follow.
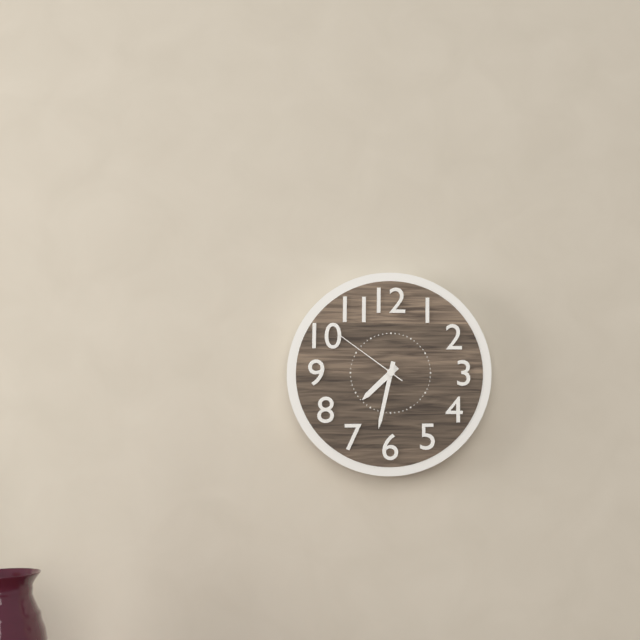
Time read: 7h32m51s
